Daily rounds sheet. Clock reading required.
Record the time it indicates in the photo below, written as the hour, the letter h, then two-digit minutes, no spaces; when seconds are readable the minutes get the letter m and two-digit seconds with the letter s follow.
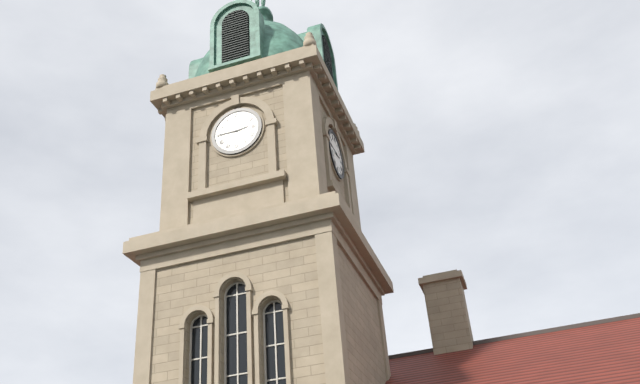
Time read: 2h45
